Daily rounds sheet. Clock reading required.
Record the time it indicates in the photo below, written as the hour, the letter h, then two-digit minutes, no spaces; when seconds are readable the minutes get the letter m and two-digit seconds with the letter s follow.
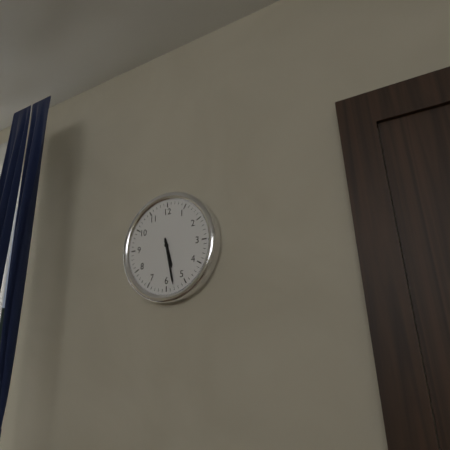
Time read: 5h28
